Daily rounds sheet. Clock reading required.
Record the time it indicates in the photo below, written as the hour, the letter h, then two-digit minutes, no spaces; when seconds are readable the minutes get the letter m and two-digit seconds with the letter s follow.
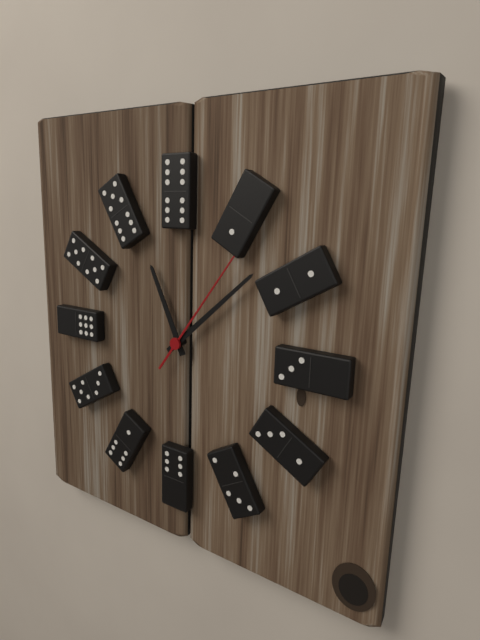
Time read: 11h08m06s
